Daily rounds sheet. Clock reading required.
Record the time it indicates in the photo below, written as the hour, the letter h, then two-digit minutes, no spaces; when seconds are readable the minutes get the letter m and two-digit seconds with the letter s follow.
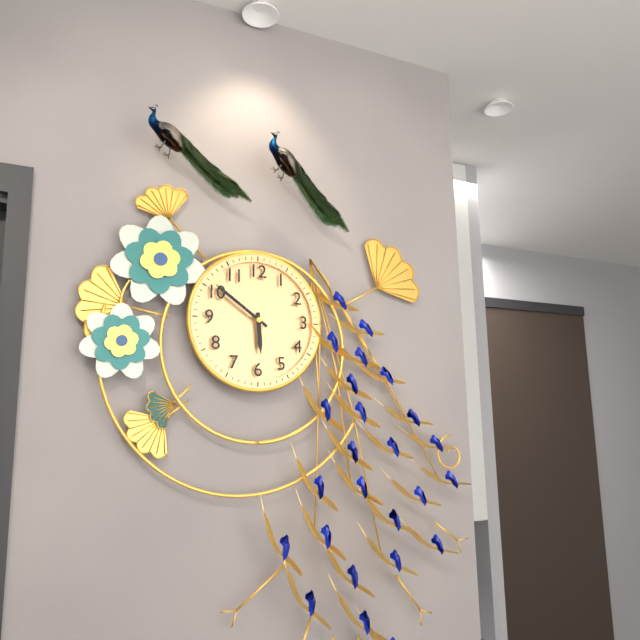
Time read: 5h51
